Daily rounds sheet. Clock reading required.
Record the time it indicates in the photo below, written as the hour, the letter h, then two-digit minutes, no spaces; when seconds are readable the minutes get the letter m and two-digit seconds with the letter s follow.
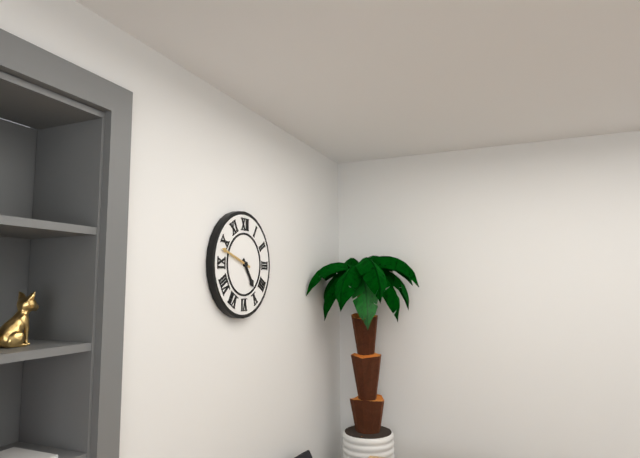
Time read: 4h48
